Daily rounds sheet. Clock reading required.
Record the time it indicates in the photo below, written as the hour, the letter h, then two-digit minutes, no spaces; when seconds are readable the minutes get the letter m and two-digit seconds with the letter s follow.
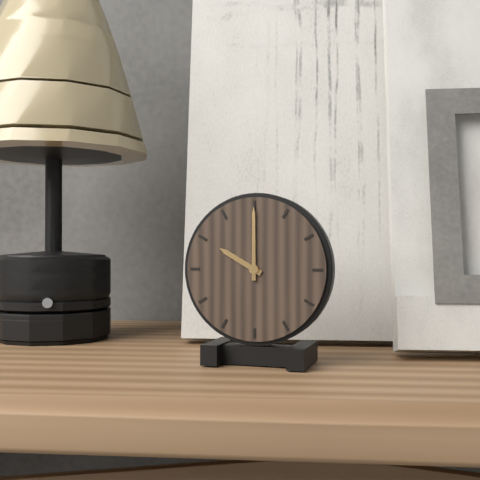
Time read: 10h00
